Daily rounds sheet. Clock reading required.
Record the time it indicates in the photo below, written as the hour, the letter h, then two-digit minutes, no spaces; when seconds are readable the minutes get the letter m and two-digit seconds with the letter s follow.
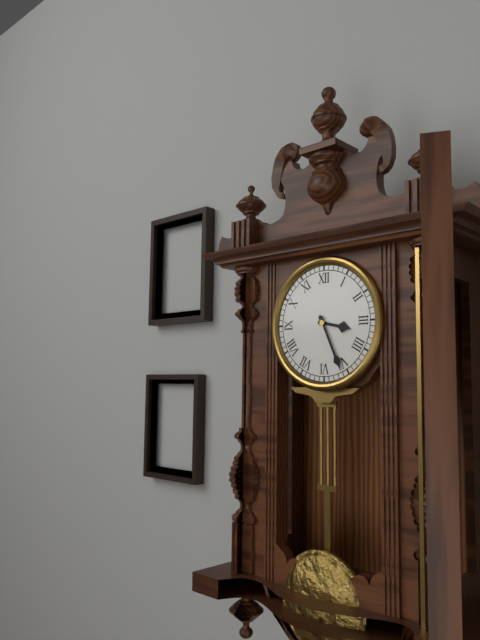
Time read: 3h26
